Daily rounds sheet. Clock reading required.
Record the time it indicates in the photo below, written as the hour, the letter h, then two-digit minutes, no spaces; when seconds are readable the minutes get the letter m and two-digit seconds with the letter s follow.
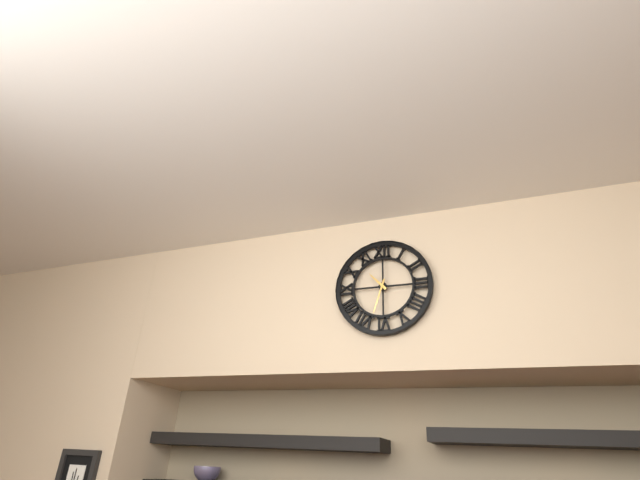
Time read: 10h33
